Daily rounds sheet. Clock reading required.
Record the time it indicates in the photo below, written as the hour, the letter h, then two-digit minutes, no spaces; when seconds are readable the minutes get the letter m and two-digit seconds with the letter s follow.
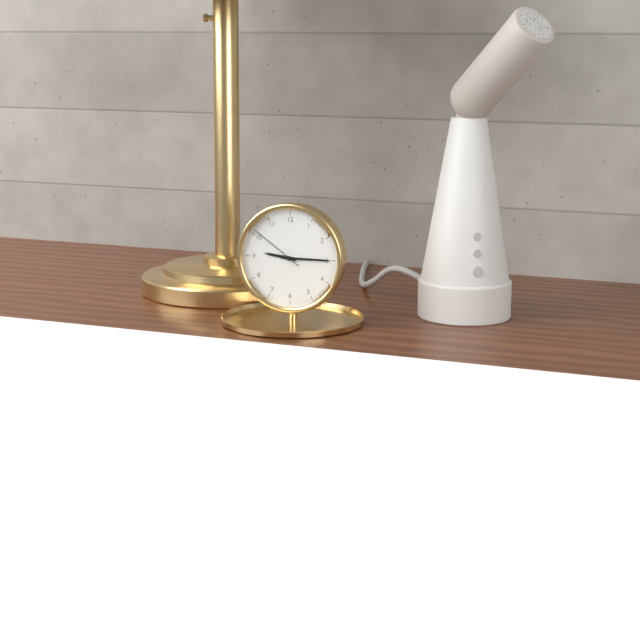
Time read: 9h15m51s
